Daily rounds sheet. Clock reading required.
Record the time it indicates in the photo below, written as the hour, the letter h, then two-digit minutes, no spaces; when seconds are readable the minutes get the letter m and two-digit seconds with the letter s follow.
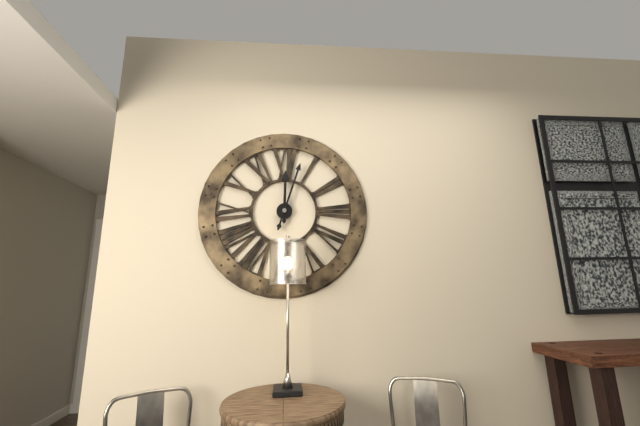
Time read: 12h03
